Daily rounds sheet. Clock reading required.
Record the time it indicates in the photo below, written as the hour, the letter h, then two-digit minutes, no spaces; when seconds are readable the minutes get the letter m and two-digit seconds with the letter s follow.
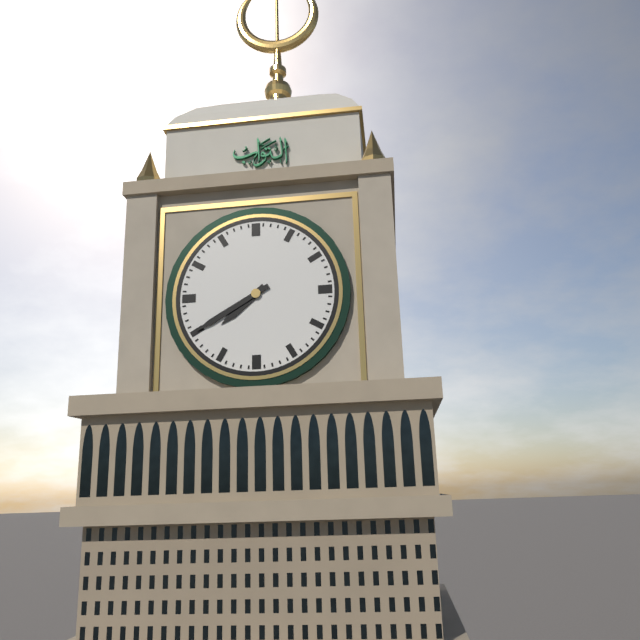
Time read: 7h40
